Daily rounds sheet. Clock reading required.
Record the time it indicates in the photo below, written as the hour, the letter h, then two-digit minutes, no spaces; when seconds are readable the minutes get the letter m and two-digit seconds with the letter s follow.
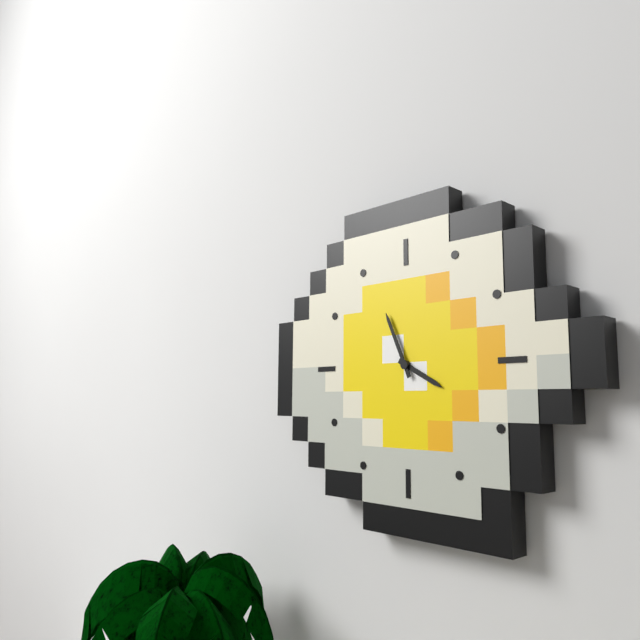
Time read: 3h56
